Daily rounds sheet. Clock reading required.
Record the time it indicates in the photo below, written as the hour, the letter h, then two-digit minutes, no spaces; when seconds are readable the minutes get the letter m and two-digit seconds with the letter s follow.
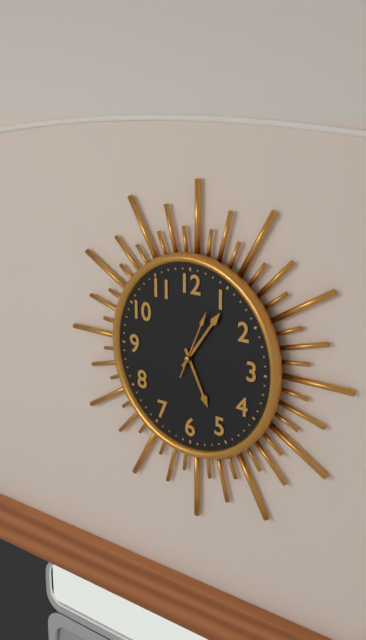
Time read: 5h06m04s
